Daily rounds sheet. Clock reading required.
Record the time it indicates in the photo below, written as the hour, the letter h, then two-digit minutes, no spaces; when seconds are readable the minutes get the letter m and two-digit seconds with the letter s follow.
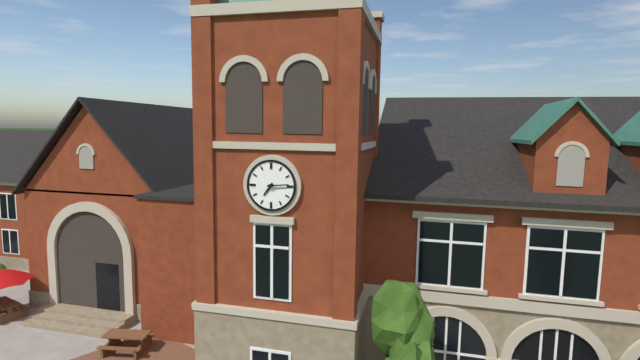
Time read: 7h14
